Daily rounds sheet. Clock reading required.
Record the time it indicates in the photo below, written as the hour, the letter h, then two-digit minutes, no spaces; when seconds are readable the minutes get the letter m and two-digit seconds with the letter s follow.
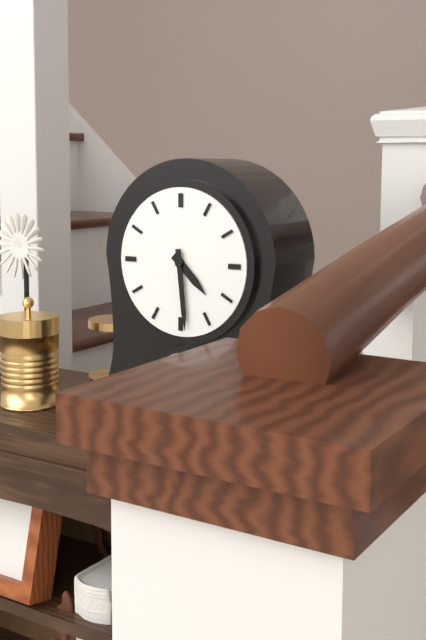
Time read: 4h29
